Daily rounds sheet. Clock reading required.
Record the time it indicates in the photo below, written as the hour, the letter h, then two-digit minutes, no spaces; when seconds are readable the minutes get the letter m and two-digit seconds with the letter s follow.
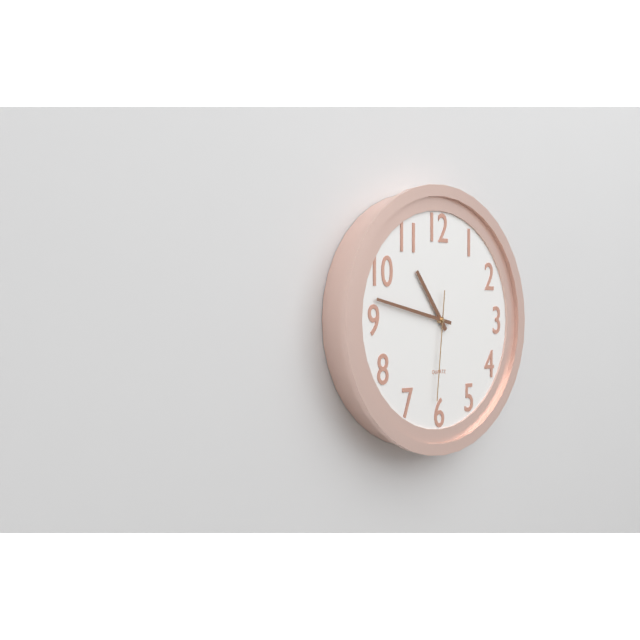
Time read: 10h47m31s
